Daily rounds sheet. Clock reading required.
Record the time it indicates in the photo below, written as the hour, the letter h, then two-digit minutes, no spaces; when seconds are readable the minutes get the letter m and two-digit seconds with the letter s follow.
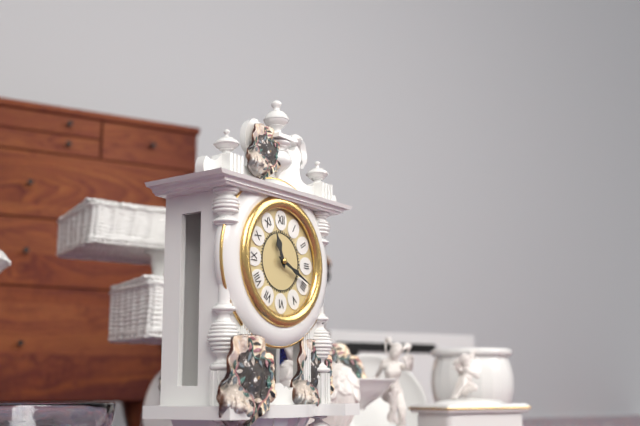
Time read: 11h19
